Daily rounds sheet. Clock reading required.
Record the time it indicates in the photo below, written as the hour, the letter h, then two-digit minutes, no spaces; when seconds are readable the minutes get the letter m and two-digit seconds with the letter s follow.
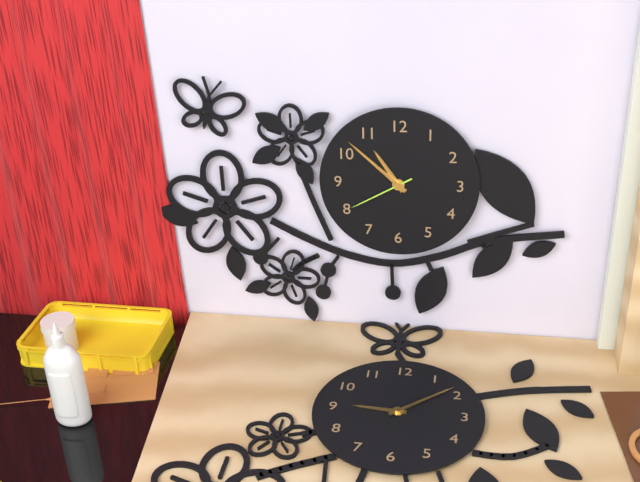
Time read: 10h52m40s
